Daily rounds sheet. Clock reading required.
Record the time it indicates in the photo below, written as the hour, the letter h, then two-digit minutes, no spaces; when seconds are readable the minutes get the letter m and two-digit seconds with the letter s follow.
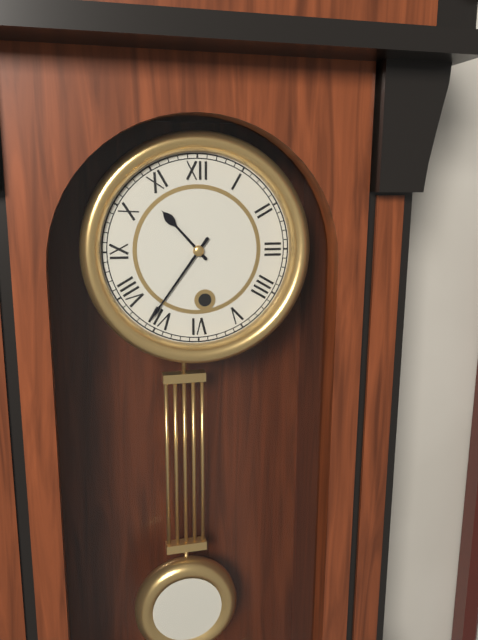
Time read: 10h36
